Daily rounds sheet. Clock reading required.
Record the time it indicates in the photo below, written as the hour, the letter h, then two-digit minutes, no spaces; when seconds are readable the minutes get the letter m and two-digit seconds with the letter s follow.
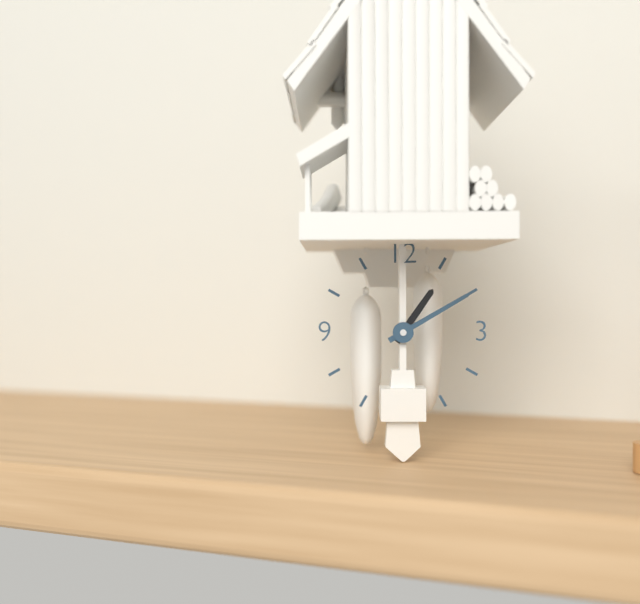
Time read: 1h10
